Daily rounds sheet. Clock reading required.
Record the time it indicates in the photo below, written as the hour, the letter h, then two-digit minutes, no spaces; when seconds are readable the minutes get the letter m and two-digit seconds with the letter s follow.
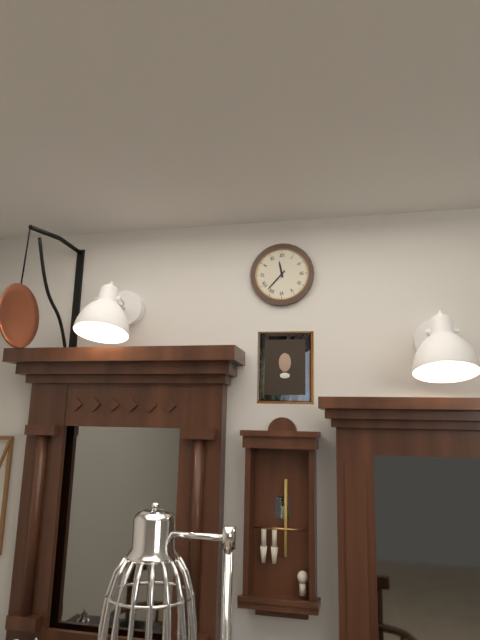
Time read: 11h37
